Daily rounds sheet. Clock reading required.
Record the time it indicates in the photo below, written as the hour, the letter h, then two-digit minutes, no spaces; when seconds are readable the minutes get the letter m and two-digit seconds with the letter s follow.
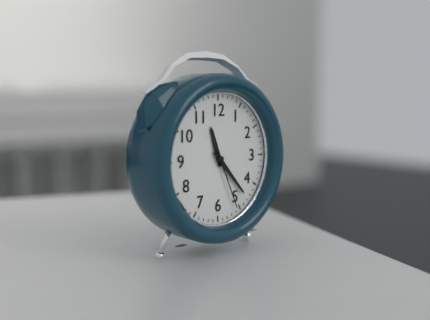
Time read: 11h23m26s
